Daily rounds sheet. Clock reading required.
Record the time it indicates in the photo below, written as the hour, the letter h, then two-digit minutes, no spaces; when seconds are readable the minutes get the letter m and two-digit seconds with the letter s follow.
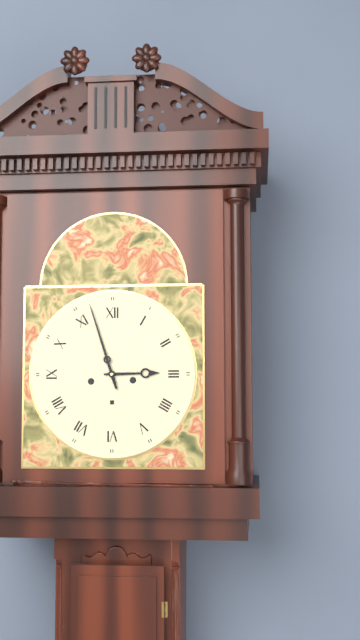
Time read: 2h57
